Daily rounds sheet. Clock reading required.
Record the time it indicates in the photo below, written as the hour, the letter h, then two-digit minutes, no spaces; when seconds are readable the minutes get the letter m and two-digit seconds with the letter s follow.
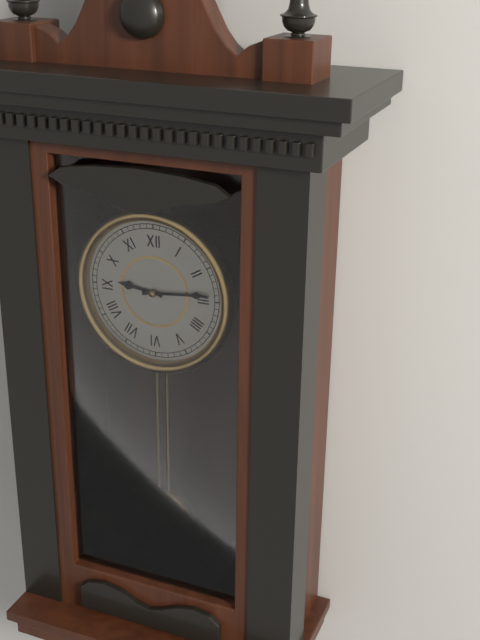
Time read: 9h14
